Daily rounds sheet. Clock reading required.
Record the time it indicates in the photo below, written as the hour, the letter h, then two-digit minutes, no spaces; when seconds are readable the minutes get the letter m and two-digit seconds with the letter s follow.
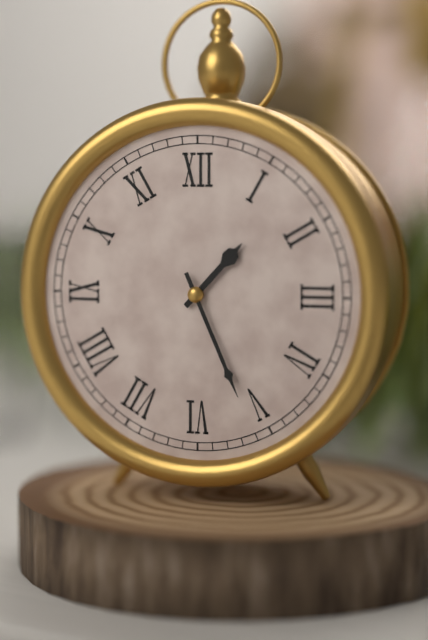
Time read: 1h26
